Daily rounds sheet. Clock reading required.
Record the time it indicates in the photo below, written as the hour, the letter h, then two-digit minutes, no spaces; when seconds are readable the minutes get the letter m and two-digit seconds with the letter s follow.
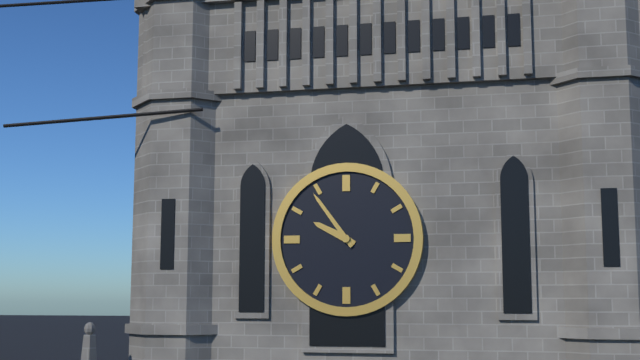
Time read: 9h54
